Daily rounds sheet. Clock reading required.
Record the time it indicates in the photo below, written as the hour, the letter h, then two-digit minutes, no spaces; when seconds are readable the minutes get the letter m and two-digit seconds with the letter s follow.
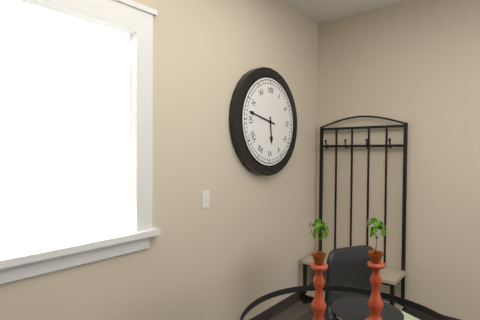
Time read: 5h47
